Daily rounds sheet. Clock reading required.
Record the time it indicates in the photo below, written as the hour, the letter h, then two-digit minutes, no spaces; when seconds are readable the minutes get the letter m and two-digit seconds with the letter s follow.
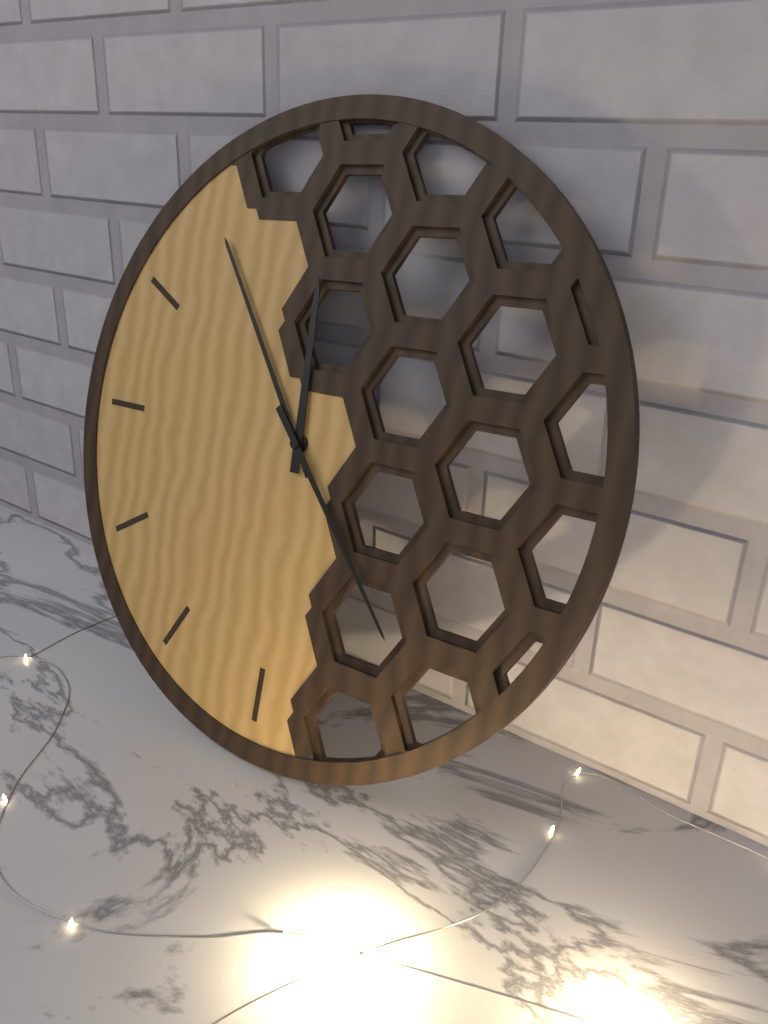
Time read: 11h54m23s
